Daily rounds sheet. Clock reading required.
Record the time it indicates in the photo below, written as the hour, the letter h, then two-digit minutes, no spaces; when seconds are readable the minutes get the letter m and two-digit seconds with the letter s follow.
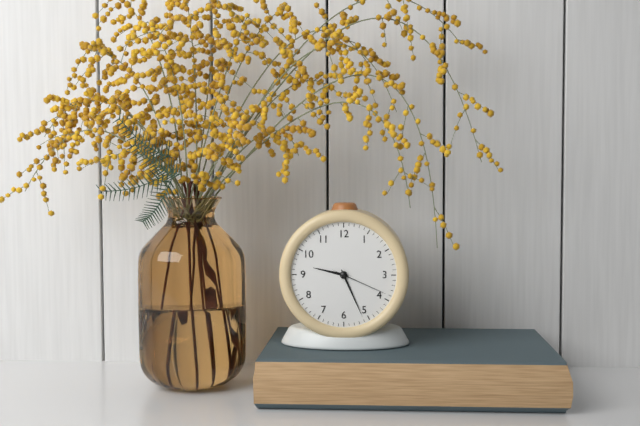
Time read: 9h26m19s
